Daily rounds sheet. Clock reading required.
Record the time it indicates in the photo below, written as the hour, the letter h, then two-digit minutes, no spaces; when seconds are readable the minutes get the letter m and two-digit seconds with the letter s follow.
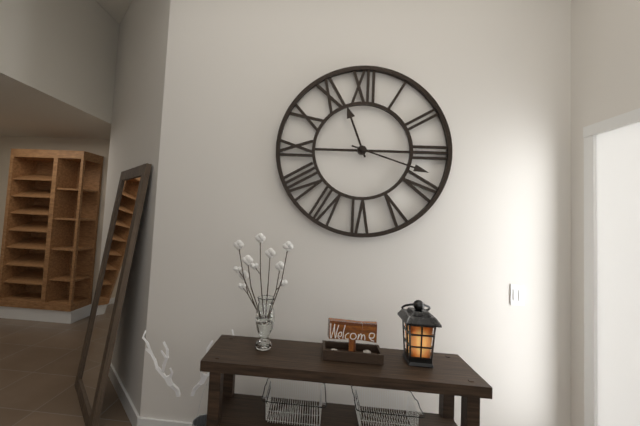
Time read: 11h18
